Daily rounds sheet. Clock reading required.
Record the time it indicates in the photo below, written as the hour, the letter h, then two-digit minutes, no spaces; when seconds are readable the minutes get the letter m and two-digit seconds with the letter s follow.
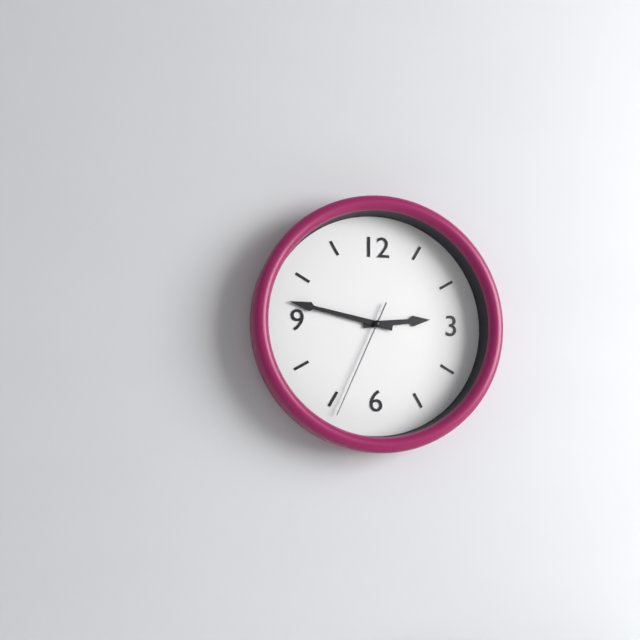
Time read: 2h47m34s
